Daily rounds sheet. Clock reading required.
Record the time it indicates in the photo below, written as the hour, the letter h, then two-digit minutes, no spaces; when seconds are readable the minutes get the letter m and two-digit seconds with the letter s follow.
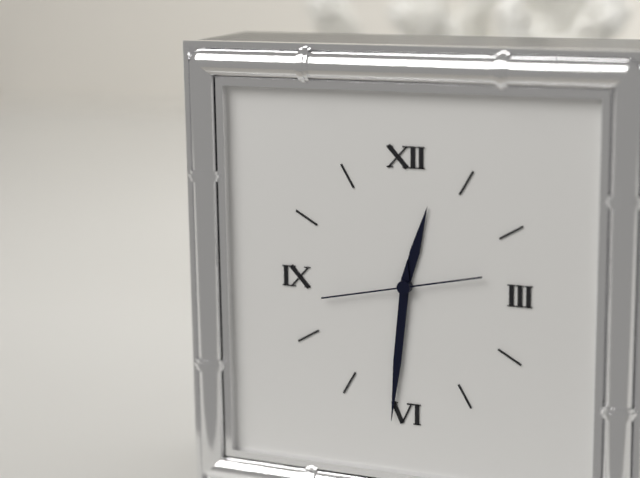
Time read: 12h31m43s
